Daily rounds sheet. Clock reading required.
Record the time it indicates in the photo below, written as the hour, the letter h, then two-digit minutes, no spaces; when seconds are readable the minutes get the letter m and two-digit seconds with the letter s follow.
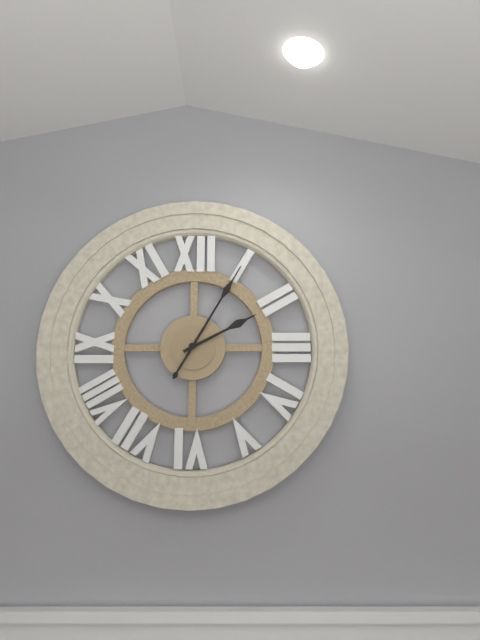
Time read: 2h05
